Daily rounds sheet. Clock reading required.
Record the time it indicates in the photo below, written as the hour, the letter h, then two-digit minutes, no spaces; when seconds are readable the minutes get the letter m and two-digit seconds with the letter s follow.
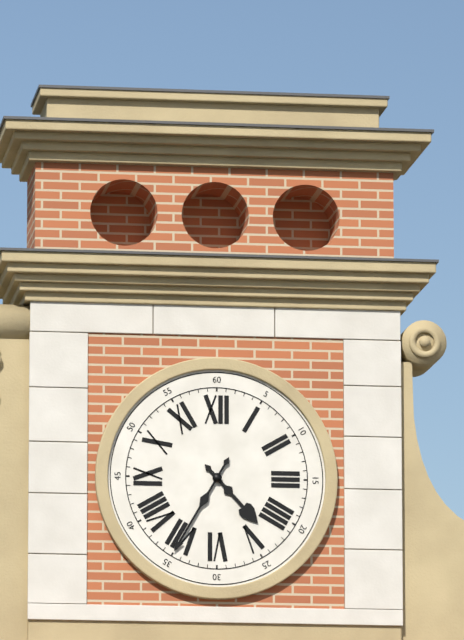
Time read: 4h35
